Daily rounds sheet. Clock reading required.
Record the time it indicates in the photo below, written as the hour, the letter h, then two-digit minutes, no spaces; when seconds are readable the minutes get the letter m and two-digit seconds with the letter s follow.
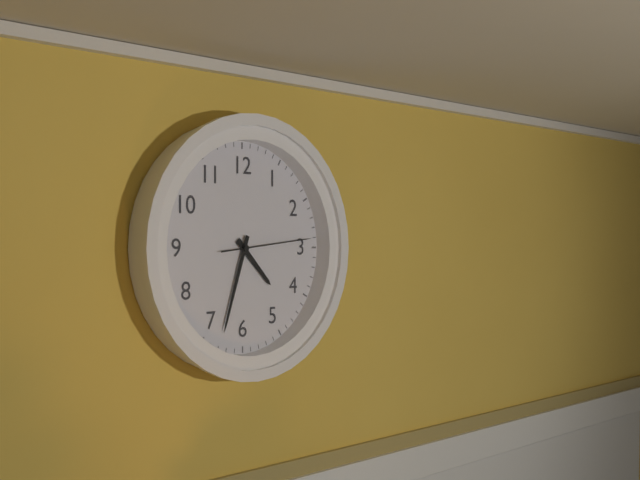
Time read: 4h33m14s
